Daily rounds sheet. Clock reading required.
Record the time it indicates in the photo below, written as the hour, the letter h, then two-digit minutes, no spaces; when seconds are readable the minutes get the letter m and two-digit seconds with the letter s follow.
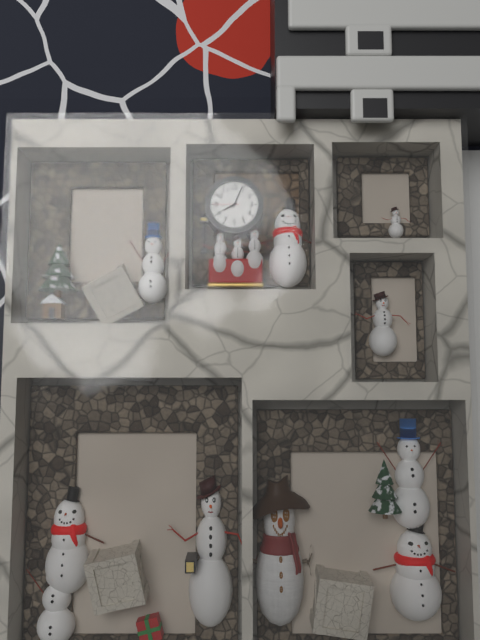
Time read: 8h04
